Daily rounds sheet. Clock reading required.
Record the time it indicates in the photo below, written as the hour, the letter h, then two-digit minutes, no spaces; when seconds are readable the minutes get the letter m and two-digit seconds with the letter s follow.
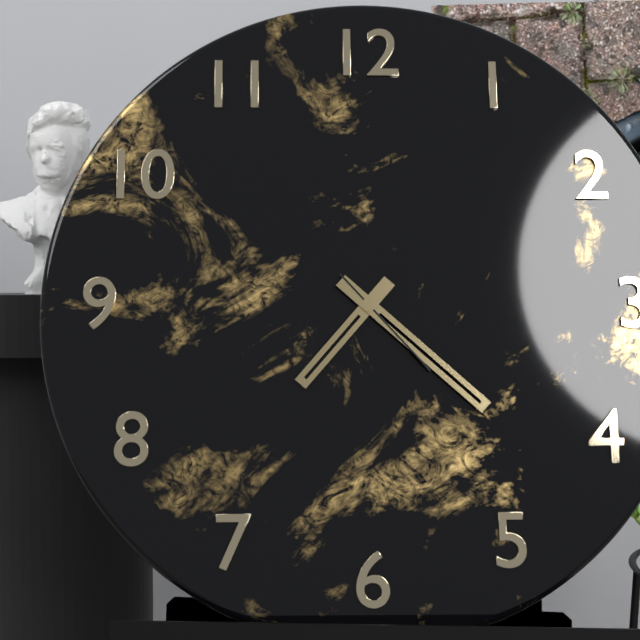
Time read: 7h22m23s
